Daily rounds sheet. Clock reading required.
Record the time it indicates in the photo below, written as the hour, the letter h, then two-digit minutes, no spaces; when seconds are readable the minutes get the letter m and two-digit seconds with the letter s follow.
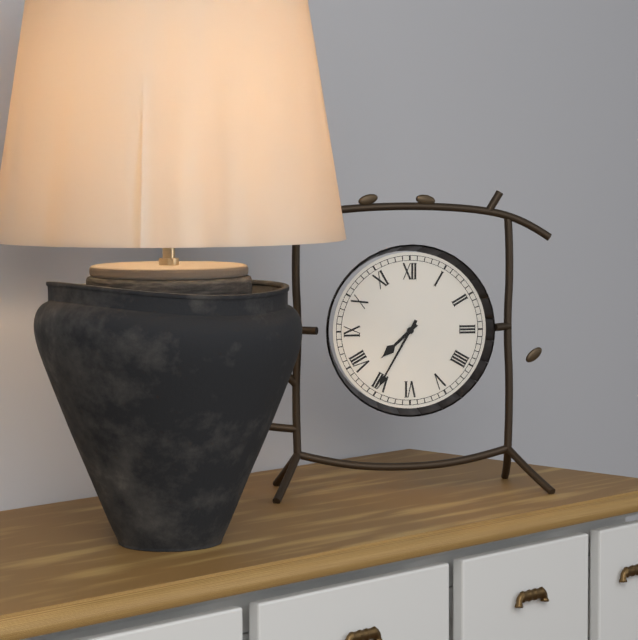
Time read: 7h35
